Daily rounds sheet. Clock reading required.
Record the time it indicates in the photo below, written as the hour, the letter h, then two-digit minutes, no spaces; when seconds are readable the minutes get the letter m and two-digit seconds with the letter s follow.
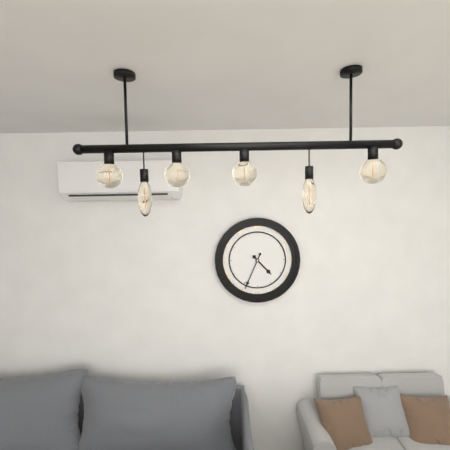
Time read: 4h34
